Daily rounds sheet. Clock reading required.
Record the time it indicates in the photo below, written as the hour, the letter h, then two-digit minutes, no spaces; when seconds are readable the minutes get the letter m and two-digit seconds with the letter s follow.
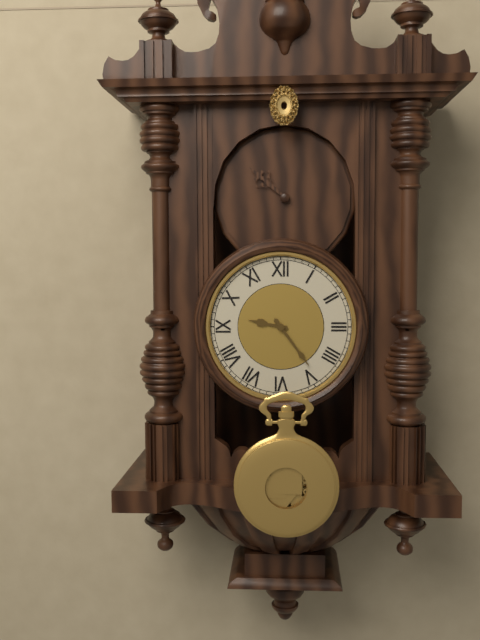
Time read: 9h24
